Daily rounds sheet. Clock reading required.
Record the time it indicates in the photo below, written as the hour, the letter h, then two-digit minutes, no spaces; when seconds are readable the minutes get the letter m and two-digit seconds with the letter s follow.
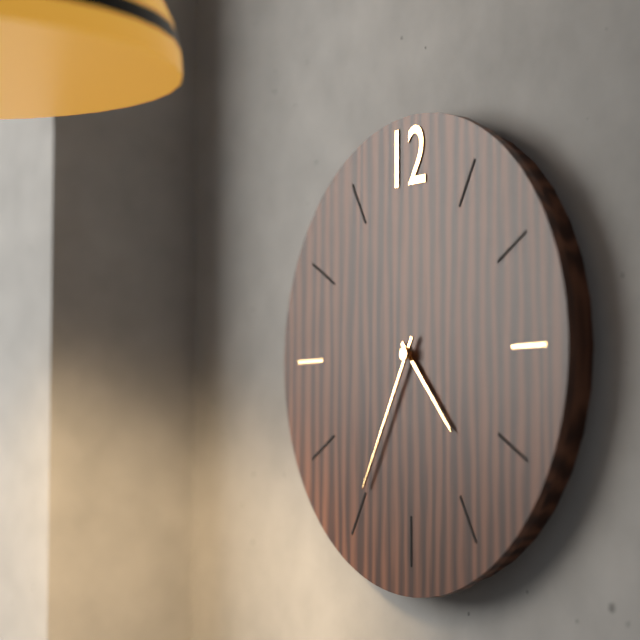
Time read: 4h35
